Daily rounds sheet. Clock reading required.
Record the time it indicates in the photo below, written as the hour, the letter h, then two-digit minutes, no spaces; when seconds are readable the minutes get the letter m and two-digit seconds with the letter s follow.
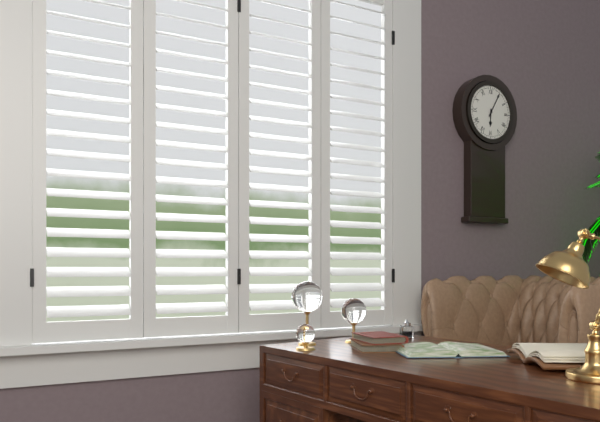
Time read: 6h05
